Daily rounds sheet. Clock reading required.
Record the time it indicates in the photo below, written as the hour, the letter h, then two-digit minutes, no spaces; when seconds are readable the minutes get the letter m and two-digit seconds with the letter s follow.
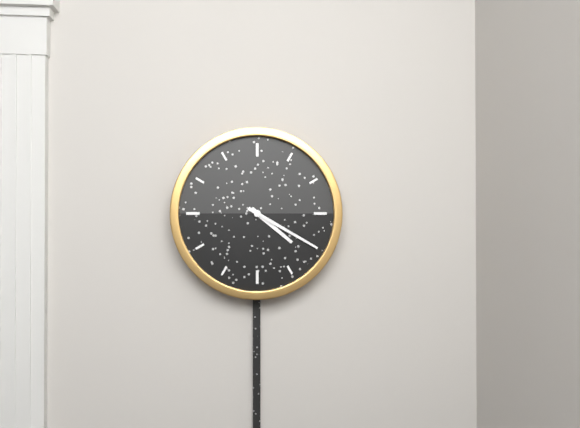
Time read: 4h20
